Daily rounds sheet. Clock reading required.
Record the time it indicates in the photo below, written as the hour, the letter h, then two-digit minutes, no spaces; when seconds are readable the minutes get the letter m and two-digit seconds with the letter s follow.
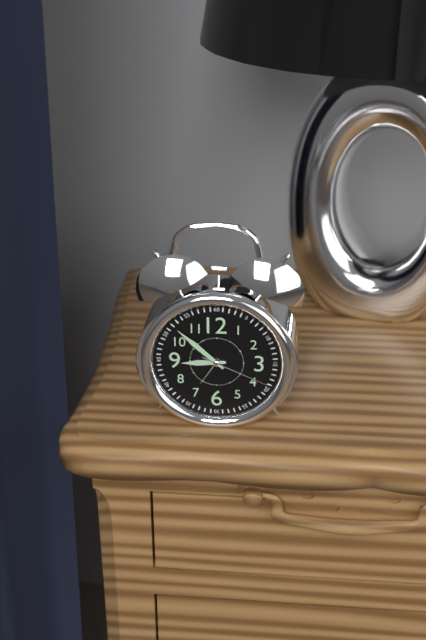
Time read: 8h52m19s
